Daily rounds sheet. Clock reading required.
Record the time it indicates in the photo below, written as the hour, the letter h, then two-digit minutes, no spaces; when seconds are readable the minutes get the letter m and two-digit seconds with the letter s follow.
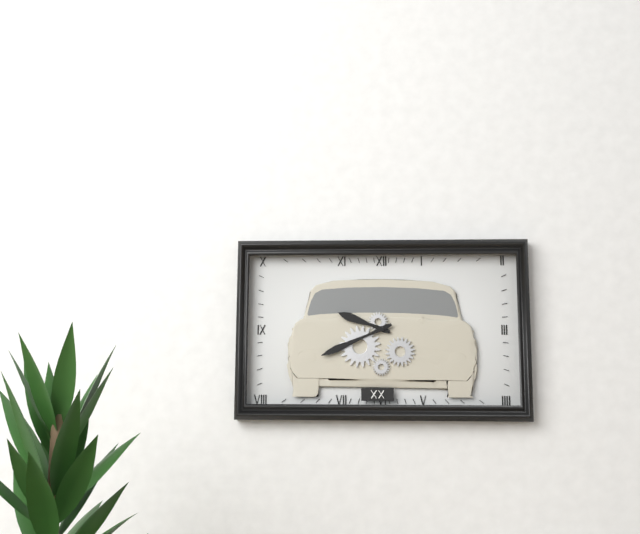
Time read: 9h41
